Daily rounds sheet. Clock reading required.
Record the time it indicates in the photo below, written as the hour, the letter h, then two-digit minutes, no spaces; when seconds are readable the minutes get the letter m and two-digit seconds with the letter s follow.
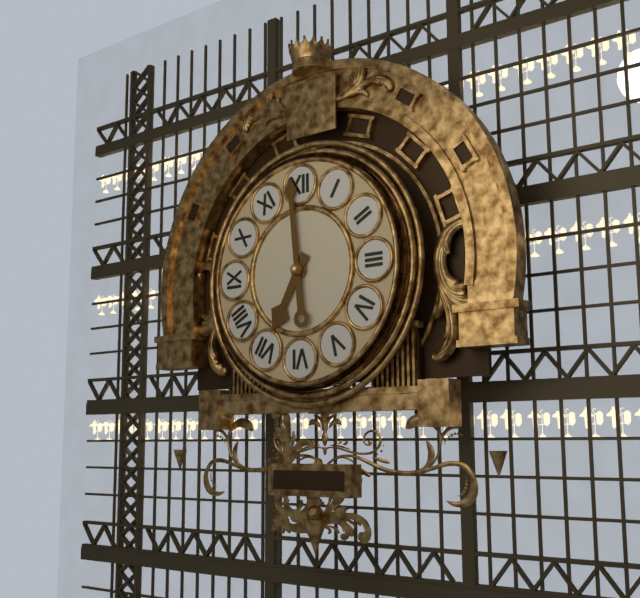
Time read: 6h59
